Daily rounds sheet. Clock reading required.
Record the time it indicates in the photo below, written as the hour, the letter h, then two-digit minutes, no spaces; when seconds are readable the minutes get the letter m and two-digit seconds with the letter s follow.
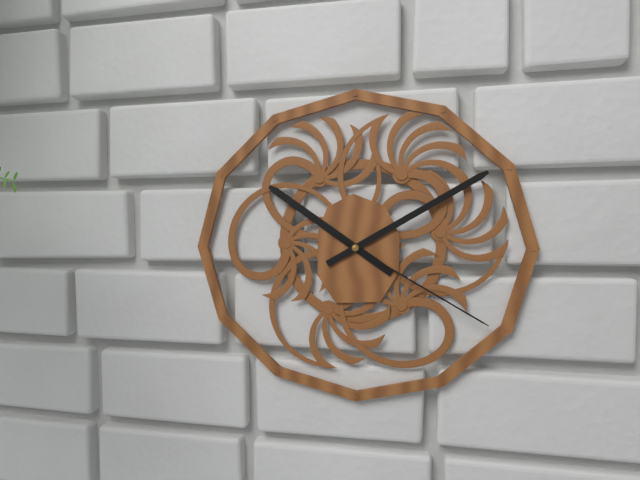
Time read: 10h10m20s
